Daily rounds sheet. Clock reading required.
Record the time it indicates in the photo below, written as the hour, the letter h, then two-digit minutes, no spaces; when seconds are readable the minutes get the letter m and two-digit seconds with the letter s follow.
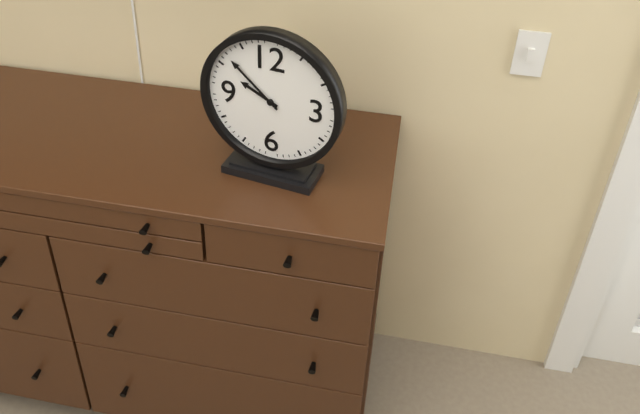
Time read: 9h52
